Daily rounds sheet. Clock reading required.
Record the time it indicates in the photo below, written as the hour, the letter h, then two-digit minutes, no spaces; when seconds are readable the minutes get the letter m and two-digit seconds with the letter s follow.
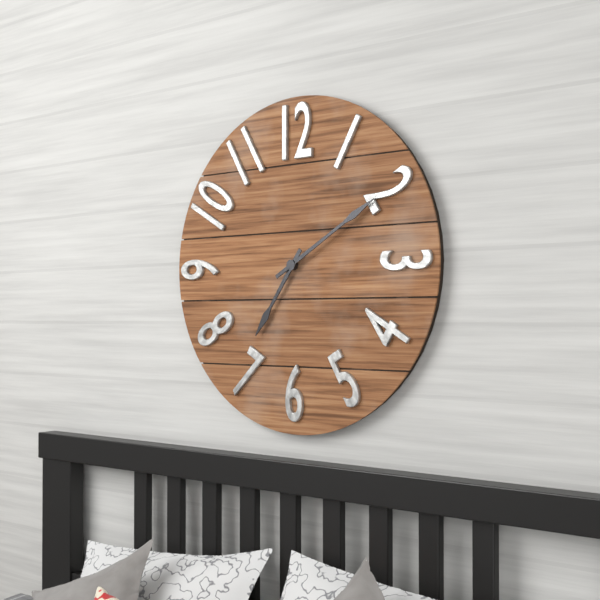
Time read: 7h10
